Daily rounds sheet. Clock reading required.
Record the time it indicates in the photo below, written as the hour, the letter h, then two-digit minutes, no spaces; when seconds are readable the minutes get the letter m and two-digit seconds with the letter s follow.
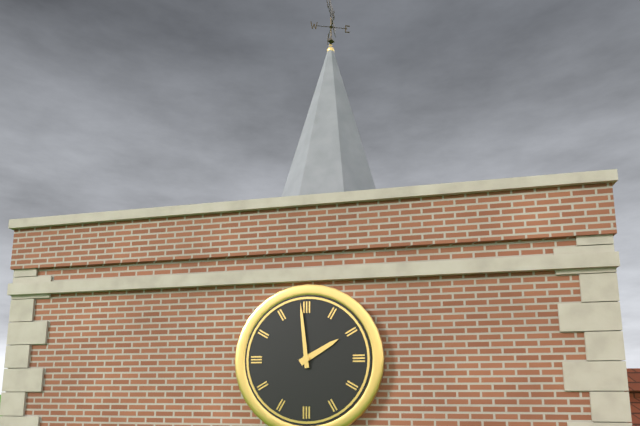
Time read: 1h59
